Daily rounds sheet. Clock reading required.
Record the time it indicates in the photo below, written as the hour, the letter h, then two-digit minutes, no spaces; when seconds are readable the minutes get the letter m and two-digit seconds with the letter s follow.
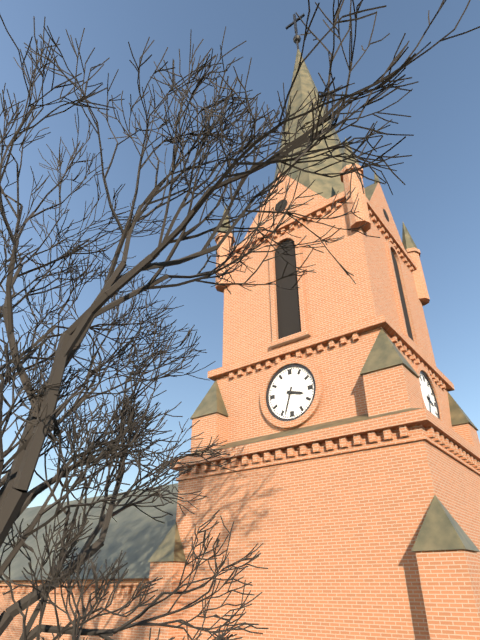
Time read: 3h33
